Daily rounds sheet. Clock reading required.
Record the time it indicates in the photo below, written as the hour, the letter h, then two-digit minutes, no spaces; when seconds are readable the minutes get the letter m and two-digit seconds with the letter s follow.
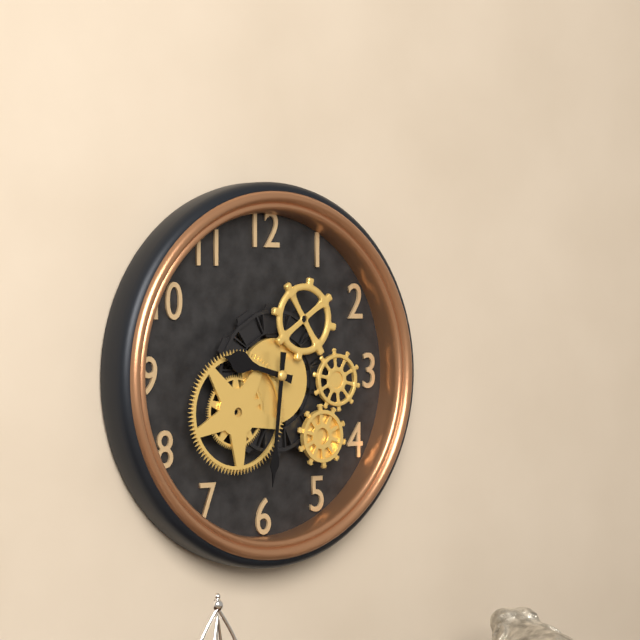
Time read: 9h31
